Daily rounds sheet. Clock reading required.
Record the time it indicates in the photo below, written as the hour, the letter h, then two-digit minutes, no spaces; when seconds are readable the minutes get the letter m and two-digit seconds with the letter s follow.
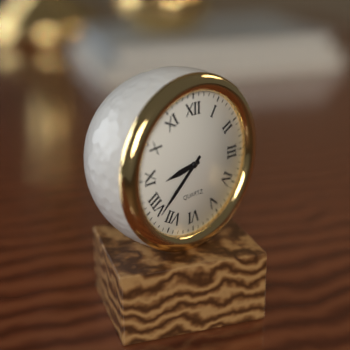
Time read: 8h38
